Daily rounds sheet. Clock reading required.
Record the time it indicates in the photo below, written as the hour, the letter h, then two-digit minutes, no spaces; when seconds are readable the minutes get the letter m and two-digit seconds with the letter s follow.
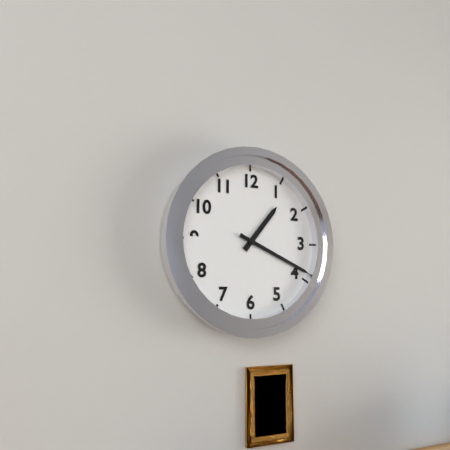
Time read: 1h19
